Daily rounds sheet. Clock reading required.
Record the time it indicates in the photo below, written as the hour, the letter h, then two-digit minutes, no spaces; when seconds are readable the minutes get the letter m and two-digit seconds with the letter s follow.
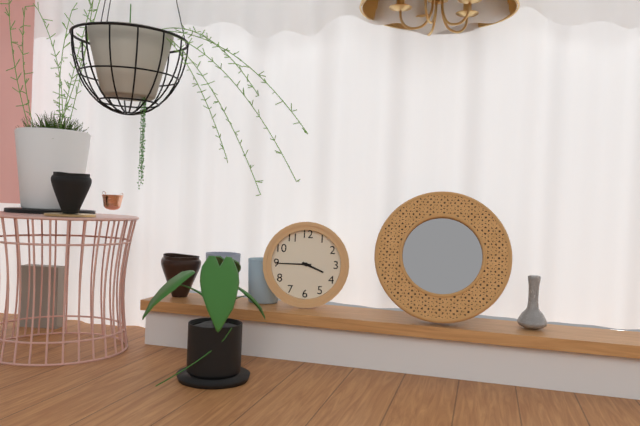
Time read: 3h45
